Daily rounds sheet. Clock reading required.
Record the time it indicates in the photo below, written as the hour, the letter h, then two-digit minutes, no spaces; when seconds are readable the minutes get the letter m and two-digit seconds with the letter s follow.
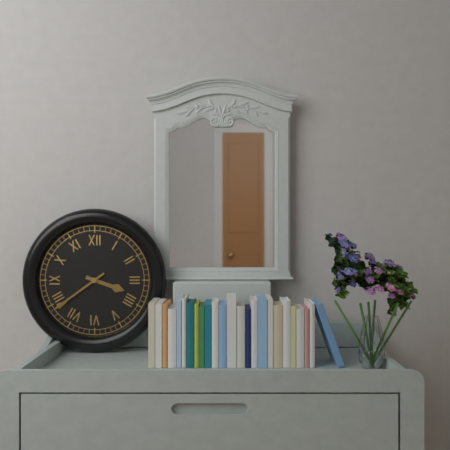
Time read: 3h39
